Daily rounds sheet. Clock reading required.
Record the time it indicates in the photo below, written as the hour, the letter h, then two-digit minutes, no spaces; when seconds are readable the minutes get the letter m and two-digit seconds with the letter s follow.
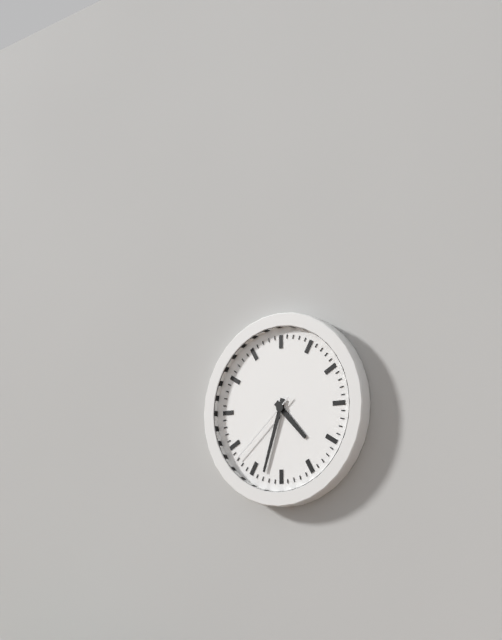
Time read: 4h33m38s
